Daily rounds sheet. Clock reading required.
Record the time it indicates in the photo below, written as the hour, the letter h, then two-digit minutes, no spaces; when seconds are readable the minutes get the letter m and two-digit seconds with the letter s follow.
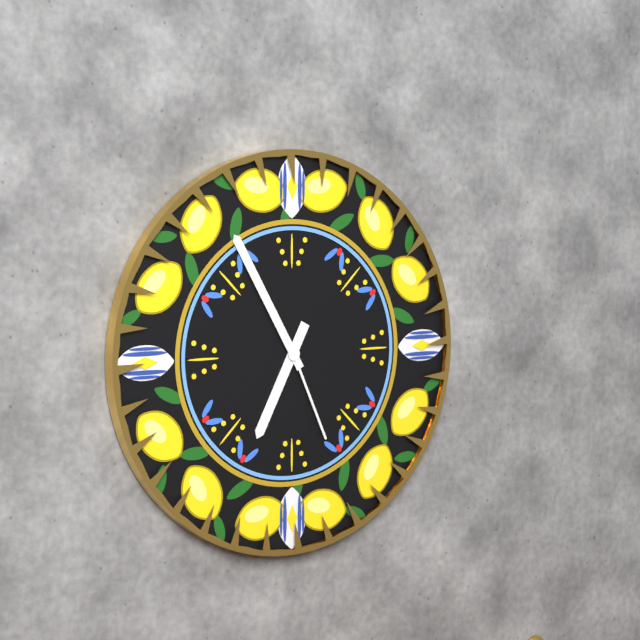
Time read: 6h55m26s
